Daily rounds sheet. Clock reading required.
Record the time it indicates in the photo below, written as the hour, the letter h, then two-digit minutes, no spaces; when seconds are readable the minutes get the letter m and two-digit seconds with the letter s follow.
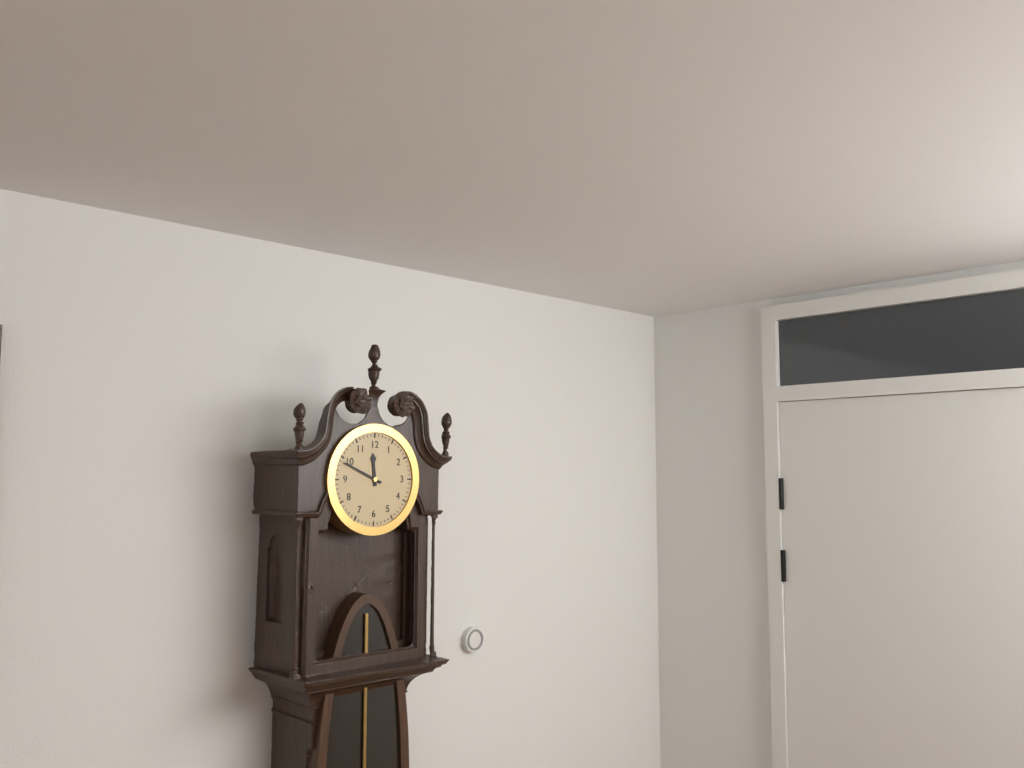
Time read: 11h49
